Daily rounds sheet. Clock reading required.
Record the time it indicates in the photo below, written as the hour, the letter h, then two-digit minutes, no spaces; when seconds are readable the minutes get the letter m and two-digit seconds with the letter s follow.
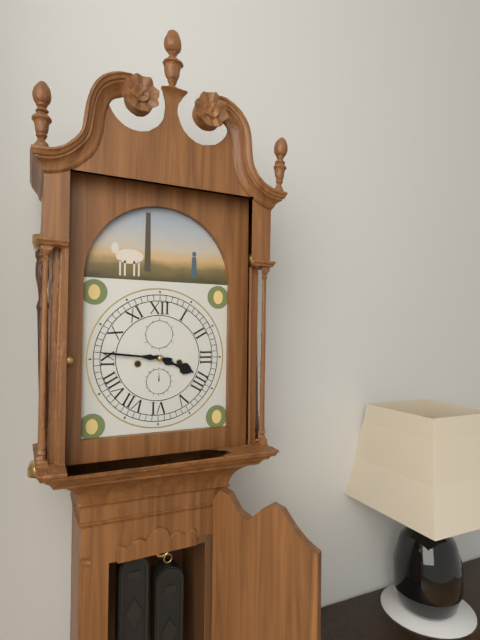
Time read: 3h46
